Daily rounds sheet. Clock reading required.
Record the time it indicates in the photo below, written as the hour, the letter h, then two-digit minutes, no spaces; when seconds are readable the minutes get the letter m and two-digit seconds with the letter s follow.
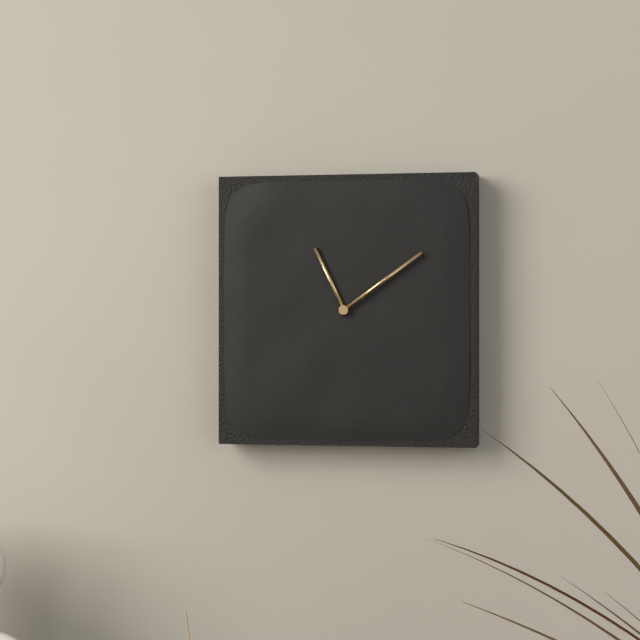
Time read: 11h09
